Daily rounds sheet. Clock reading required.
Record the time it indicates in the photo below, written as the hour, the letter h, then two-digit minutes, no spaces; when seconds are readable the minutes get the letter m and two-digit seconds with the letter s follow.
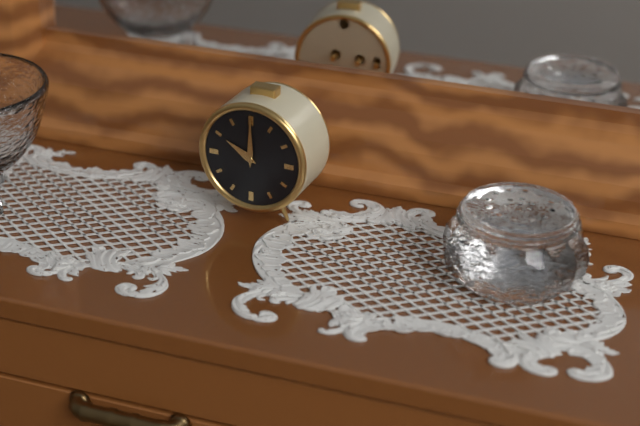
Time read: 10h00
